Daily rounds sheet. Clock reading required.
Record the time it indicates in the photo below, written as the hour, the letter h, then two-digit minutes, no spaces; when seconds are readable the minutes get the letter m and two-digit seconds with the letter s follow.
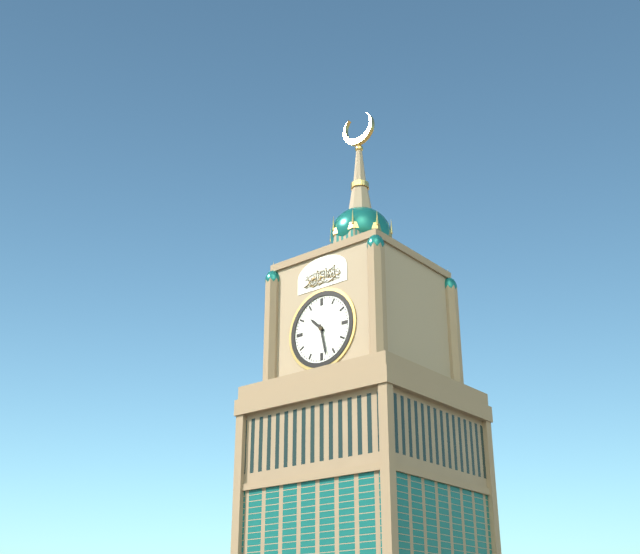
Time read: 10h28
